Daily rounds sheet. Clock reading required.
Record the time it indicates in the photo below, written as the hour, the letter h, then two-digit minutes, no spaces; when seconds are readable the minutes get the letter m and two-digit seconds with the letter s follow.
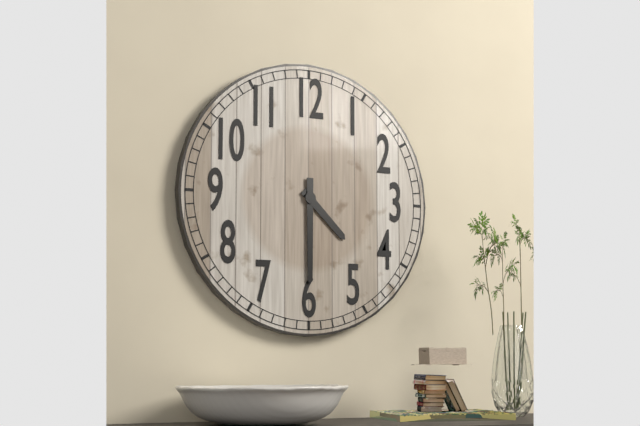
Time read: 4h30
